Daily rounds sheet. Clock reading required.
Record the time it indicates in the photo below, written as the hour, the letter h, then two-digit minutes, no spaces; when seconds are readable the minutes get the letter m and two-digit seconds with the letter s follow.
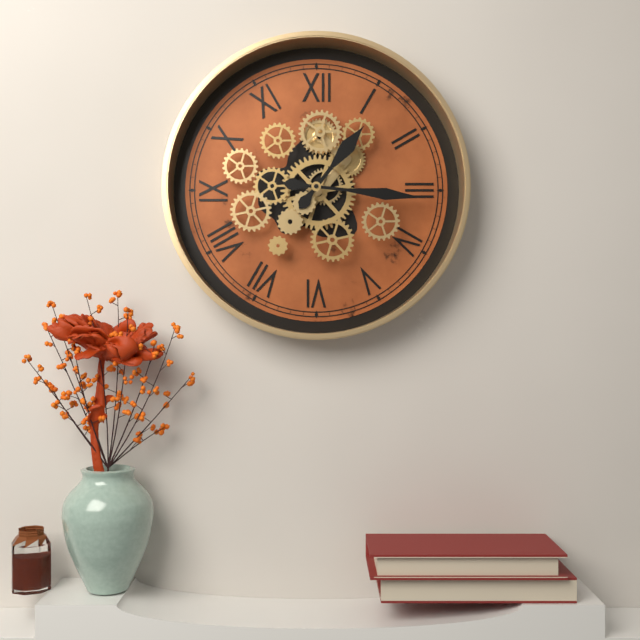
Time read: 1h16
